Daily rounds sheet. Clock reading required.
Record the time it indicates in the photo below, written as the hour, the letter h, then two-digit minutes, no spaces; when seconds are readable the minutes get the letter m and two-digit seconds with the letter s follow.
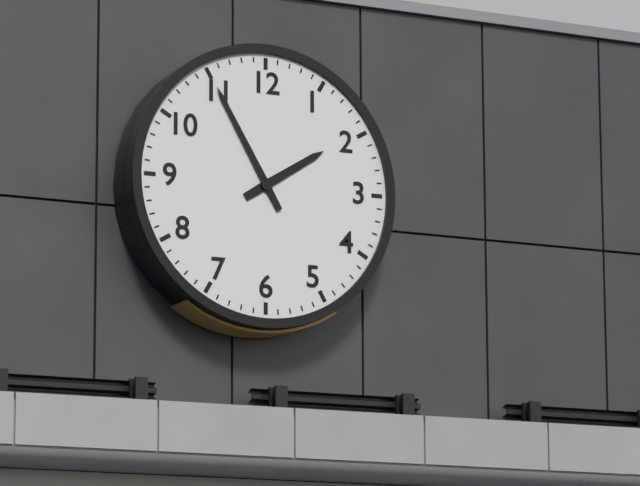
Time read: 1h55
